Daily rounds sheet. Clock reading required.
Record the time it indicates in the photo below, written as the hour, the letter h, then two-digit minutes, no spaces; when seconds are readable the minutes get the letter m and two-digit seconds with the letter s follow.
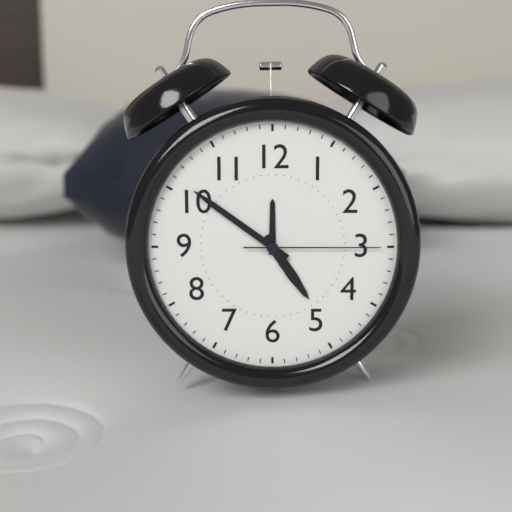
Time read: 4h51m15s
